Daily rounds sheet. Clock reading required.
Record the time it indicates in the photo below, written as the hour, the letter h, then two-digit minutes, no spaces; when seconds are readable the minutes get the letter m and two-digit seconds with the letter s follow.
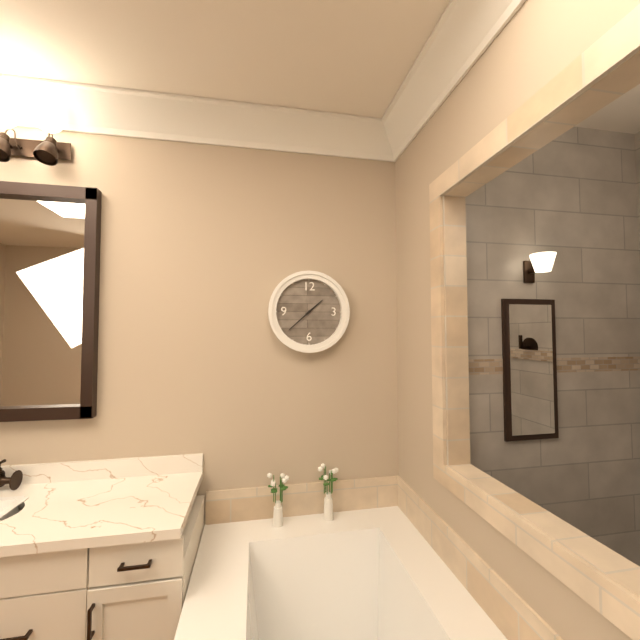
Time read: 1h38
